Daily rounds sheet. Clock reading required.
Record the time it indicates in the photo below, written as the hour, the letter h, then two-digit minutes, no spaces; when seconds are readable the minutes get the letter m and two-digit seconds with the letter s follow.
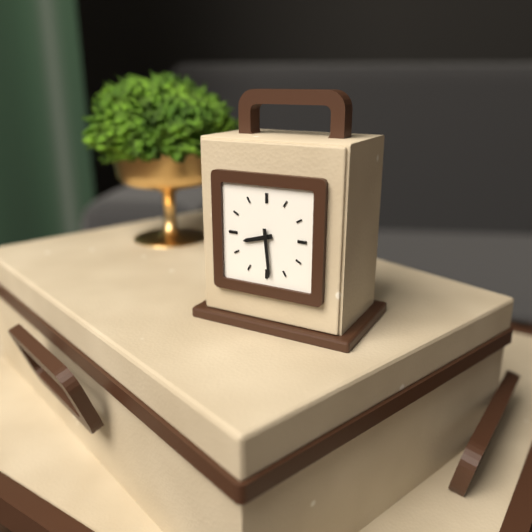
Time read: 8h29
